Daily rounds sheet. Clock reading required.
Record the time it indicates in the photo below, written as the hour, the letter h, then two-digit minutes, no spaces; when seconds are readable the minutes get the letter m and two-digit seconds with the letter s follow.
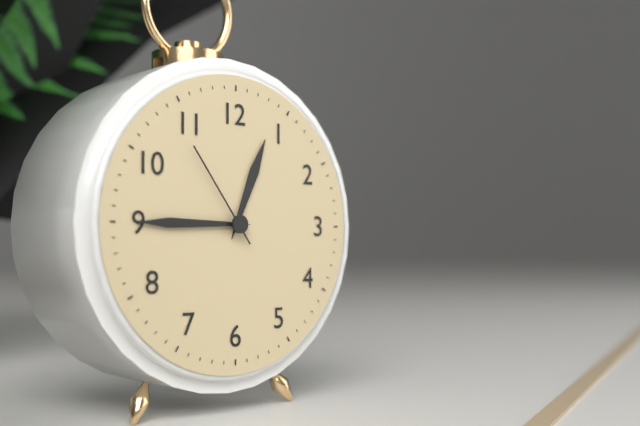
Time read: 12h45m54s
